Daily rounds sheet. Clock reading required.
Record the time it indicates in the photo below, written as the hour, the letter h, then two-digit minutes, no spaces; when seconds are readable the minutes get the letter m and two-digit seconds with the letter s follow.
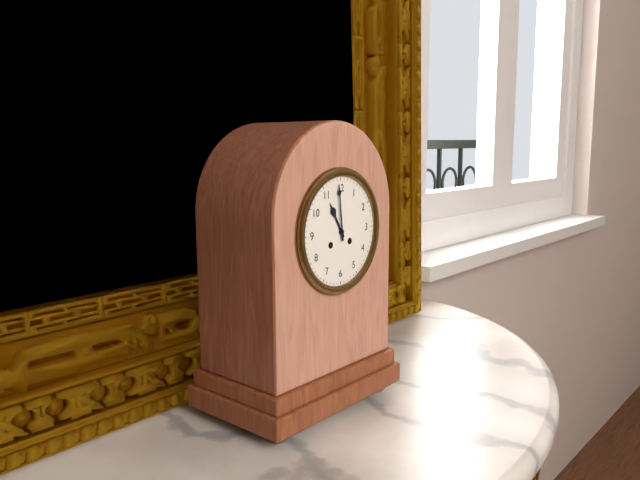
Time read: 10h59
